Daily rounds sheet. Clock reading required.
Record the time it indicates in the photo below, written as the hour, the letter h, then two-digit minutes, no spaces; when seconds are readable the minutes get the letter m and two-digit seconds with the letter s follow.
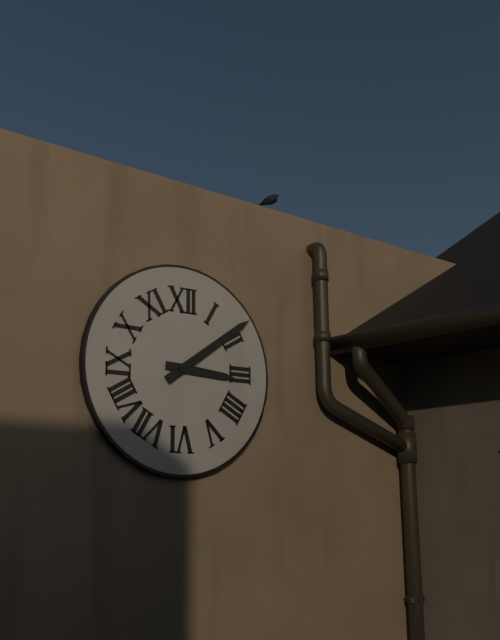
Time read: 3h09
